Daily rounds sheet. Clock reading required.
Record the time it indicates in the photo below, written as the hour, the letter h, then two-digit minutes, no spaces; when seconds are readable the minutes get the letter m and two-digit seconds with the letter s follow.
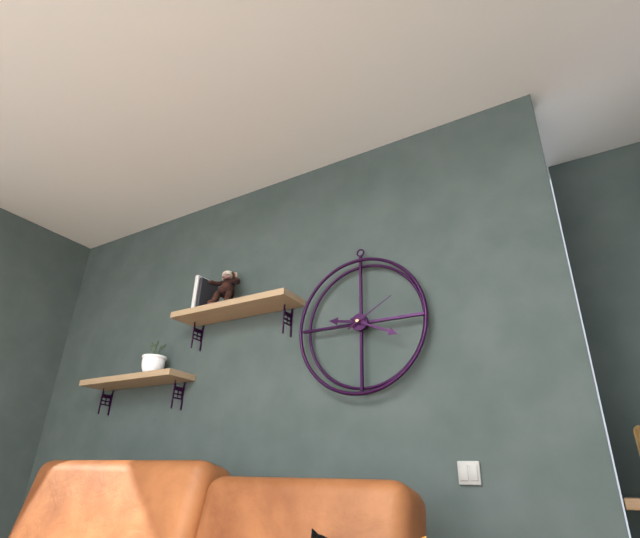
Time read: 9h19m10s
